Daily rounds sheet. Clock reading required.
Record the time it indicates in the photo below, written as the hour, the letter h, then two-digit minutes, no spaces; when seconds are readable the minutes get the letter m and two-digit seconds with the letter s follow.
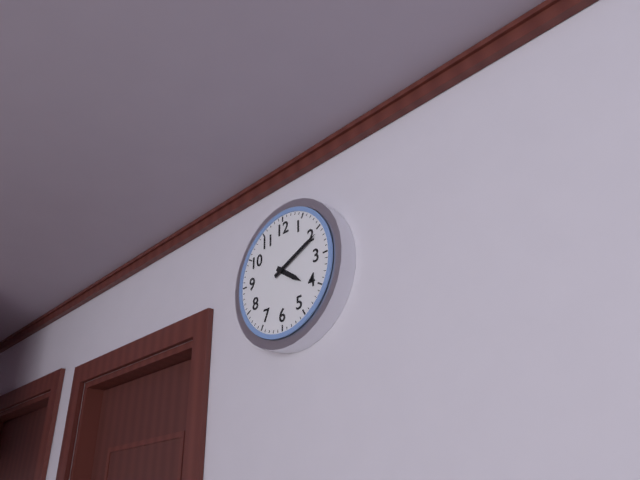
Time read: 4h11
